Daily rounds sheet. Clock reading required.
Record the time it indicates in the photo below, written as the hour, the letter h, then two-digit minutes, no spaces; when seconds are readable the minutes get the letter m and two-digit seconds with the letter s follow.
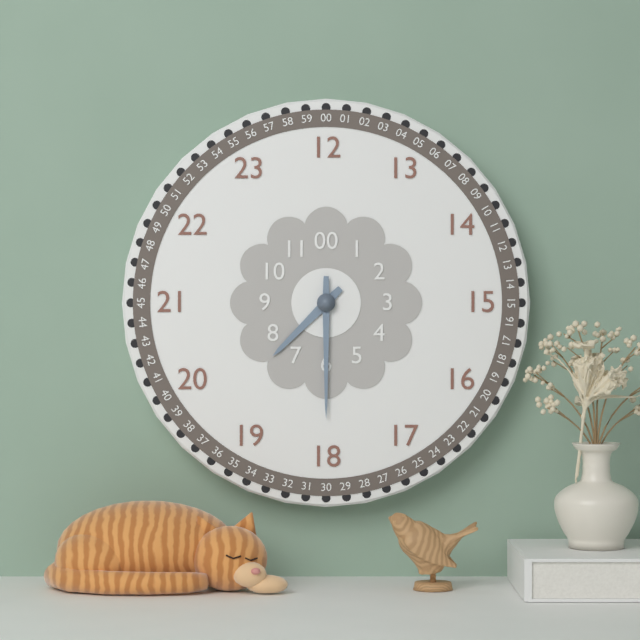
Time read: 7h30
